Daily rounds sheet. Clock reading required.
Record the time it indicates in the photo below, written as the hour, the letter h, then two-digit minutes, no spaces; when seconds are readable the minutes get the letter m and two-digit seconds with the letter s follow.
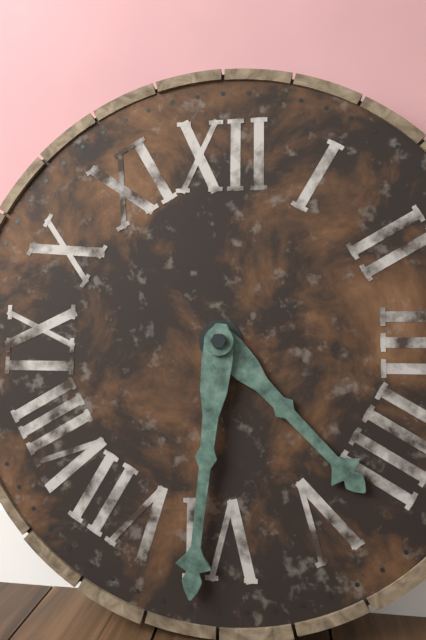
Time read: 4h31
